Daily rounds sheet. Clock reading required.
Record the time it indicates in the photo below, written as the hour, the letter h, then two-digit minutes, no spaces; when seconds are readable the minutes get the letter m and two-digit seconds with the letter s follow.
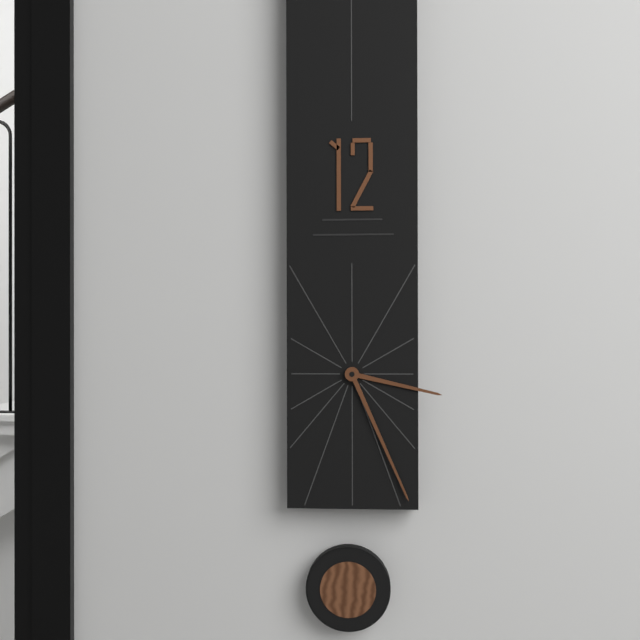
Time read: 3h26
